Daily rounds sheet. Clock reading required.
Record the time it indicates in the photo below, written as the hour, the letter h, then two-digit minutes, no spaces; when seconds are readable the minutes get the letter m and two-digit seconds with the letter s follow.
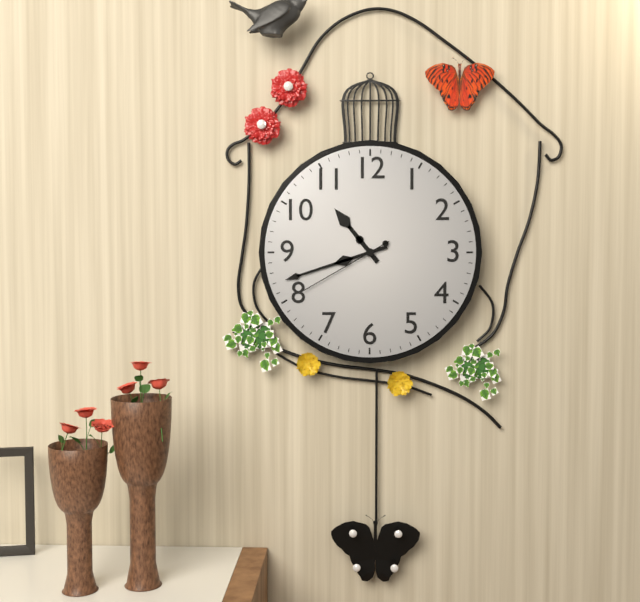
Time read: 10h42m40s
